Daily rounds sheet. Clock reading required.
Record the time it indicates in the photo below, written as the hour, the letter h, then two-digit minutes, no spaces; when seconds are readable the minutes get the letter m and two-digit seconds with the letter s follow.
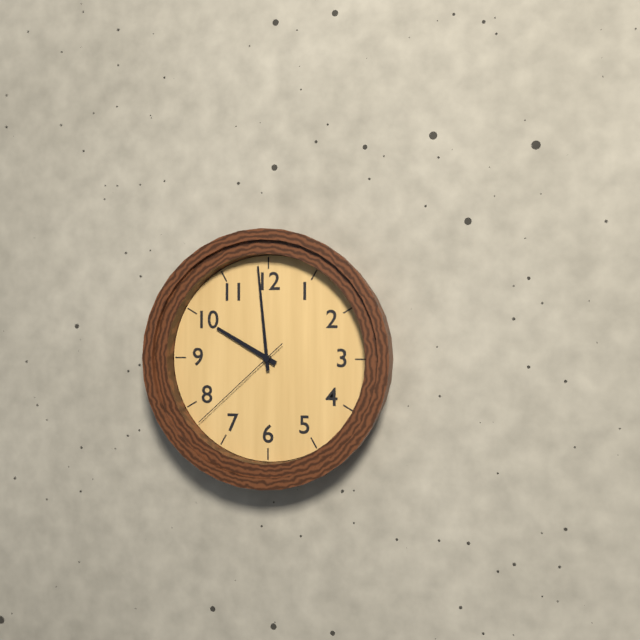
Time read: 9h59m38s
